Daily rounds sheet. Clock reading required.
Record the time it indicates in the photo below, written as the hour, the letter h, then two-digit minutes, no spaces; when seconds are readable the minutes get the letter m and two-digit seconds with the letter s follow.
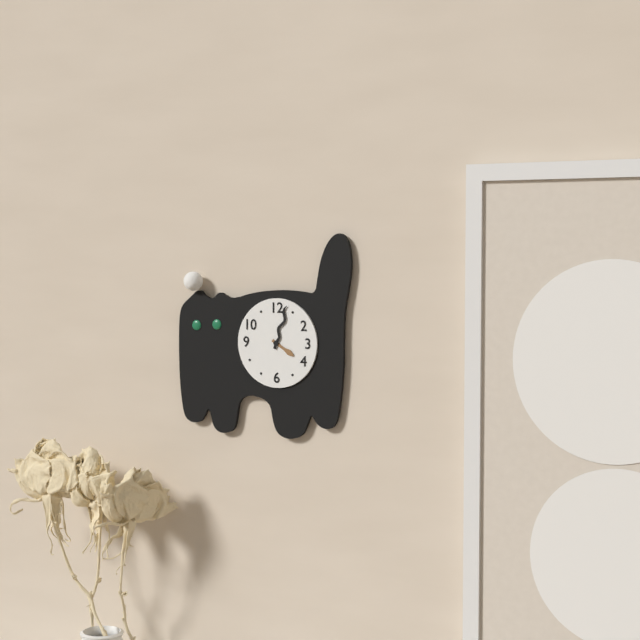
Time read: 4h03
